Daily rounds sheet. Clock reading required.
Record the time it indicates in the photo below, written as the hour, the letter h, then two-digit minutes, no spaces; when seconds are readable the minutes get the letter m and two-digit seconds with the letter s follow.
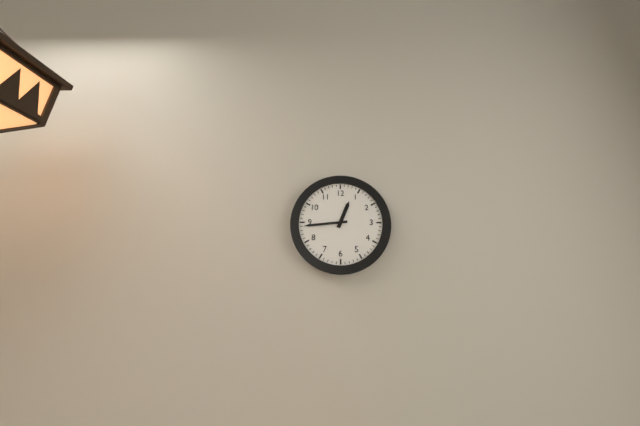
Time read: 12h44
